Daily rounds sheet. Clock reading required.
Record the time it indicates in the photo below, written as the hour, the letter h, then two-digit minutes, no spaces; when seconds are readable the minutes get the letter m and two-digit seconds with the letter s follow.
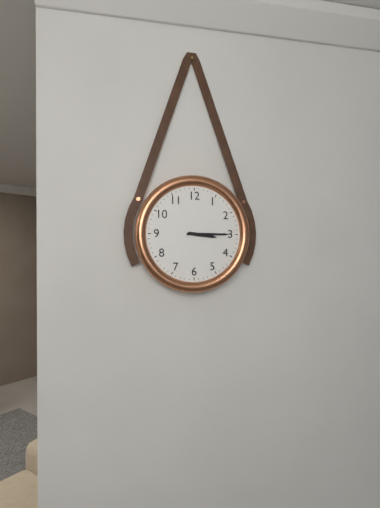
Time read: 3h15
